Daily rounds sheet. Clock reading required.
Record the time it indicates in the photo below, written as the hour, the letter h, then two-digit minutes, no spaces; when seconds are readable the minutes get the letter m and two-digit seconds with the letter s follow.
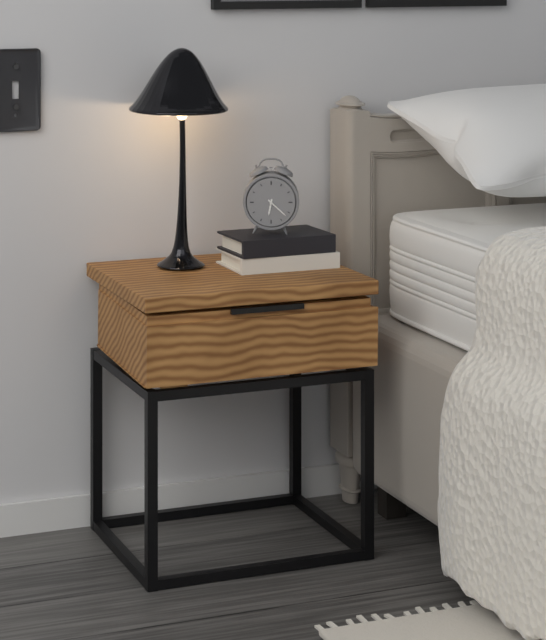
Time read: 6h22
